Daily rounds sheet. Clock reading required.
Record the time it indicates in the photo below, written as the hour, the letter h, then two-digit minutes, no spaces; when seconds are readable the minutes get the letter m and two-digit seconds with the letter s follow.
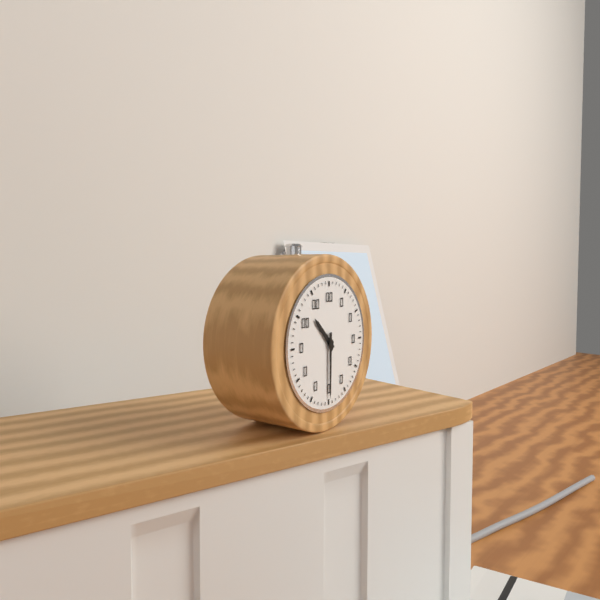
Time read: 10h30
